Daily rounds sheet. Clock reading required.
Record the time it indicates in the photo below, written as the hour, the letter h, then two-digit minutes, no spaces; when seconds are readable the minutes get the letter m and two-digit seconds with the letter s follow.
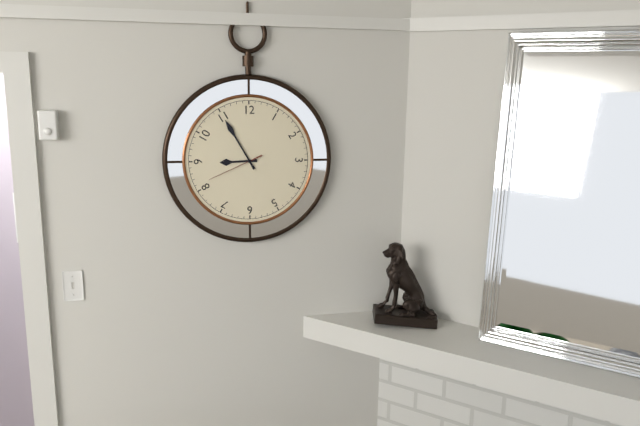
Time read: 8h55m41s
